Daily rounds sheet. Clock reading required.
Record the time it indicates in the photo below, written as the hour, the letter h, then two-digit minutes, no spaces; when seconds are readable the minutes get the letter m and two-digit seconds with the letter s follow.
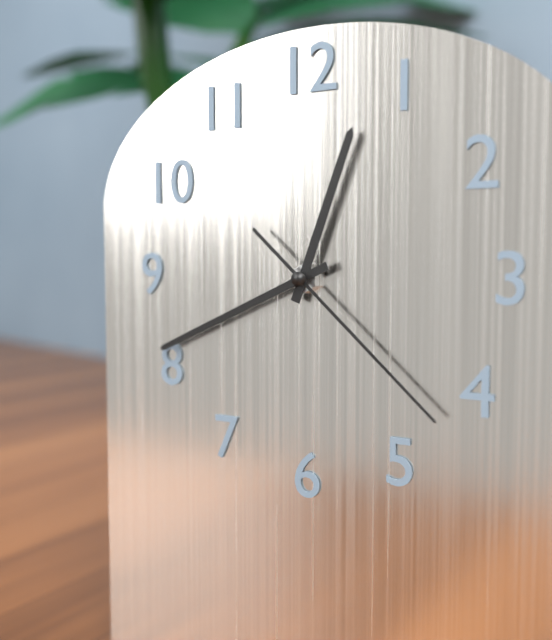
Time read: 12h41m22s
